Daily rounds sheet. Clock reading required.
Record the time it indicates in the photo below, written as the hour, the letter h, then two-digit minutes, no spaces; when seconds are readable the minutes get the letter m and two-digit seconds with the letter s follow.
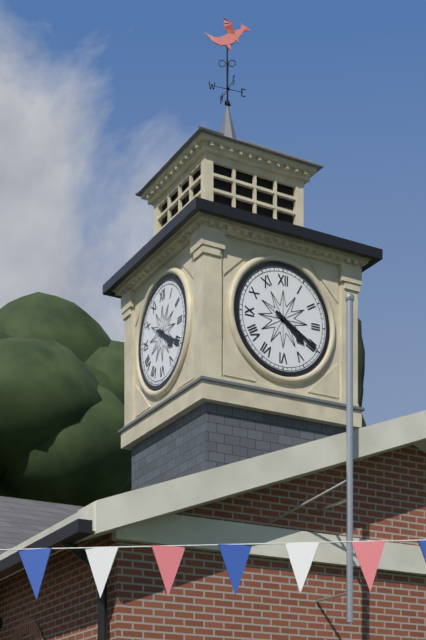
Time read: 4h20
